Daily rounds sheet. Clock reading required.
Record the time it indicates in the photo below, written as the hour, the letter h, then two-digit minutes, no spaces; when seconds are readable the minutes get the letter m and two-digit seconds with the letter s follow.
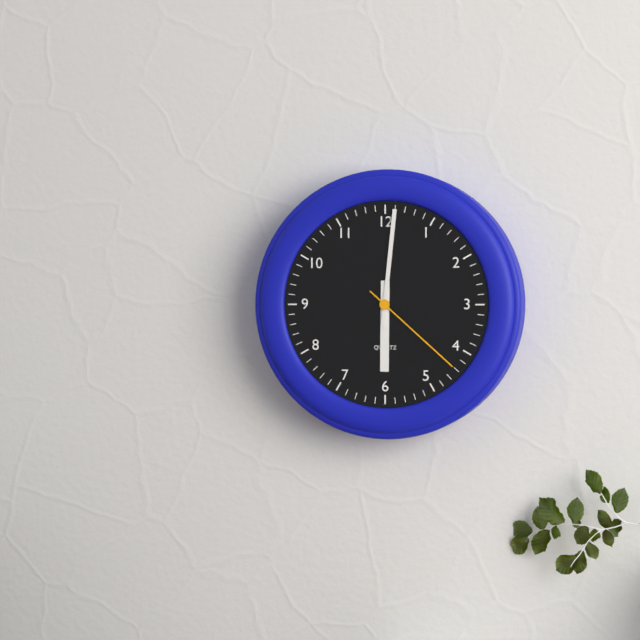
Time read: 6h01m22s
